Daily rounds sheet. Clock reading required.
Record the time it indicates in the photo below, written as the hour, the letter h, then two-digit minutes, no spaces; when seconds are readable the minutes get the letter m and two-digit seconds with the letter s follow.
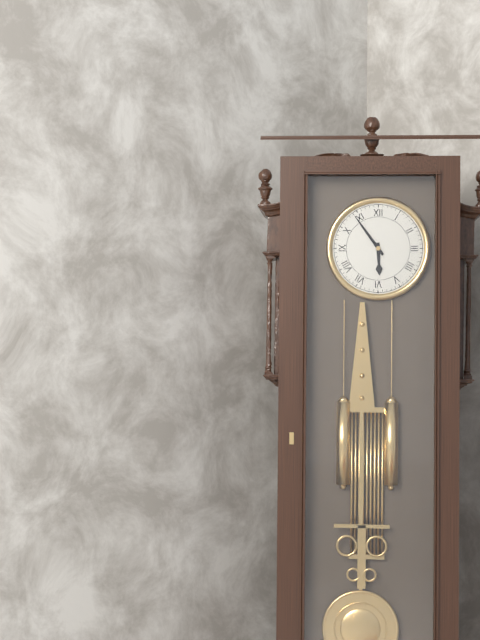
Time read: 5h54
